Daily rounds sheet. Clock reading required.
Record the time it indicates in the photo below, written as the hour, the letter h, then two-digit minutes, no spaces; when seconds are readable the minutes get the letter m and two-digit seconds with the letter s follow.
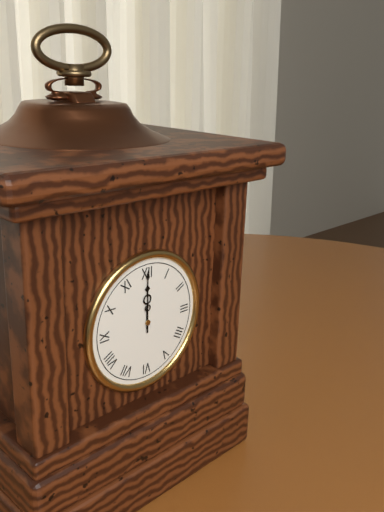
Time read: 12h00
